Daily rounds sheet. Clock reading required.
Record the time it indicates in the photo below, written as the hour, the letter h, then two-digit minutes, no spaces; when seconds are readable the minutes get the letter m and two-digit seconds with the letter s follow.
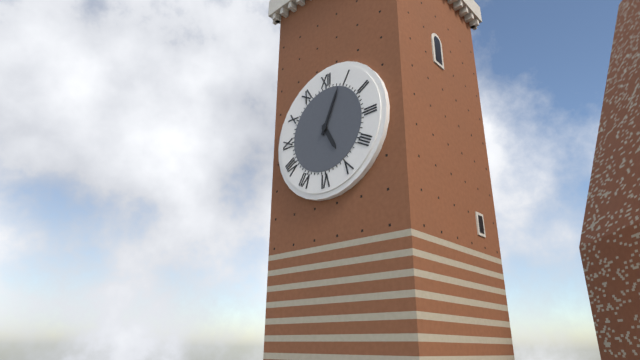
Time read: 5h04
